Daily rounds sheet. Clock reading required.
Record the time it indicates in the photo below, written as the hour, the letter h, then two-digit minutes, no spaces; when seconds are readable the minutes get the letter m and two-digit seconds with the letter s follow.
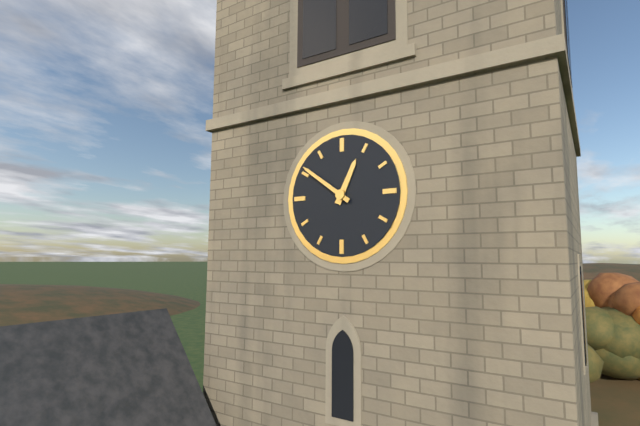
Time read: 12h51
